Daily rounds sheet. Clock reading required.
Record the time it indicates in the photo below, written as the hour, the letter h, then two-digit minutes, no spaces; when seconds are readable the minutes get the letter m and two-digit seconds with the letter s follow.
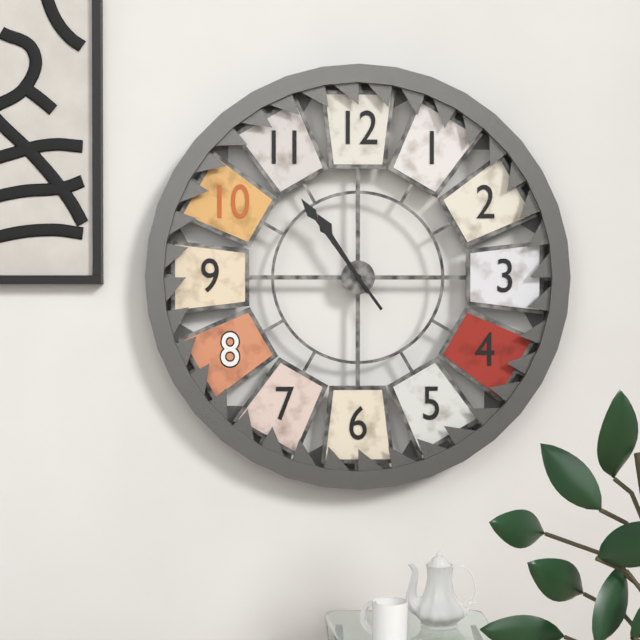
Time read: 10h54
